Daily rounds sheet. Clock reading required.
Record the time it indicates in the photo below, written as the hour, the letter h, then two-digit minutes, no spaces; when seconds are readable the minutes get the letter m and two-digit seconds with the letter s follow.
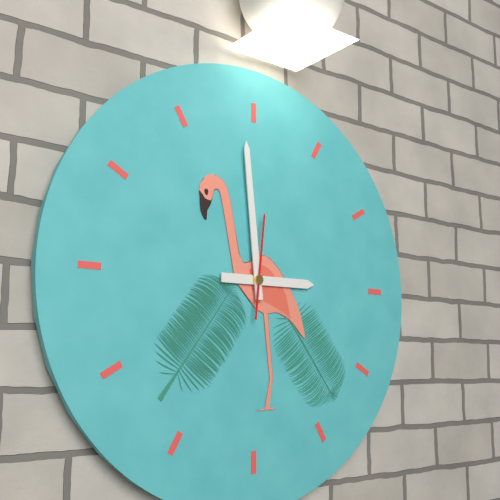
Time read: 2h59m01s
